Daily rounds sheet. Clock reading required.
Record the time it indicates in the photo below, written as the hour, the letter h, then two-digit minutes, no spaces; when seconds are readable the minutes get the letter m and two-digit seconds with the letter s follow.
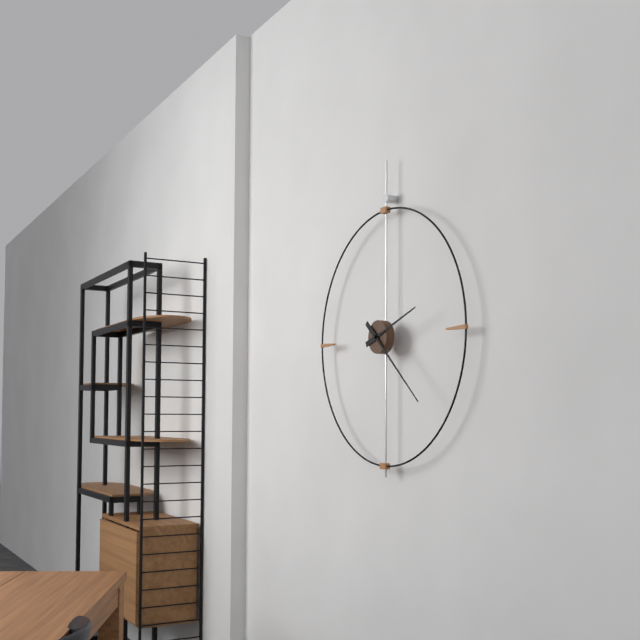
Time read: 2h22
